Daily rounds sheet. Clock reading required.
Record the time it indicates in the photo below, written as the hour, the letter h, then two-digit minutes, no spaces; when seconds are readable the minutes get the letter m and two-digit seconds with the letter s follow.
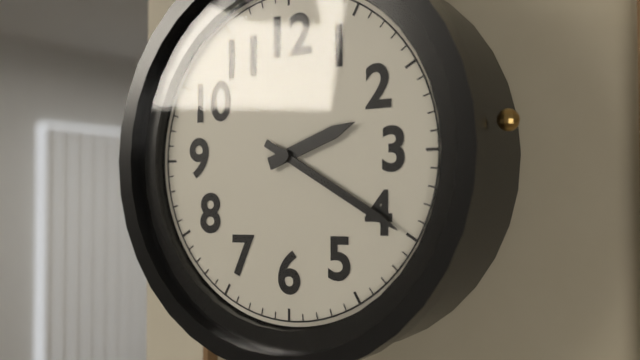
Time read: 2h20
